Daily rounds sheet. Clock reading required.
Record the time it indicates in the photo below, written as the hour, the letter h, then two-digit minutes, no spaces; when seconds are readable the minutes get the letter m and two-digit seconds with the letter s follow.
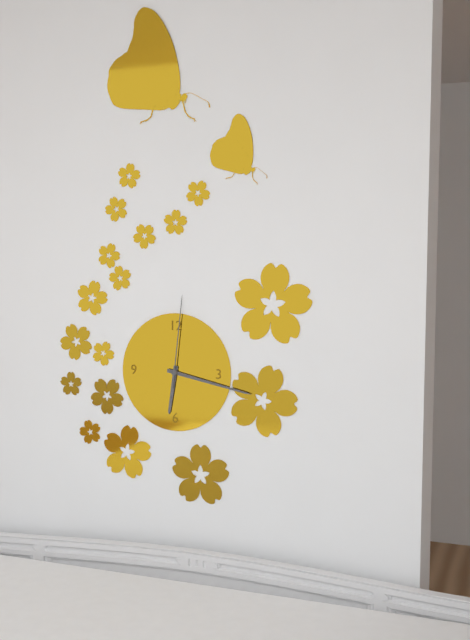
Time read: 6h17m01s
